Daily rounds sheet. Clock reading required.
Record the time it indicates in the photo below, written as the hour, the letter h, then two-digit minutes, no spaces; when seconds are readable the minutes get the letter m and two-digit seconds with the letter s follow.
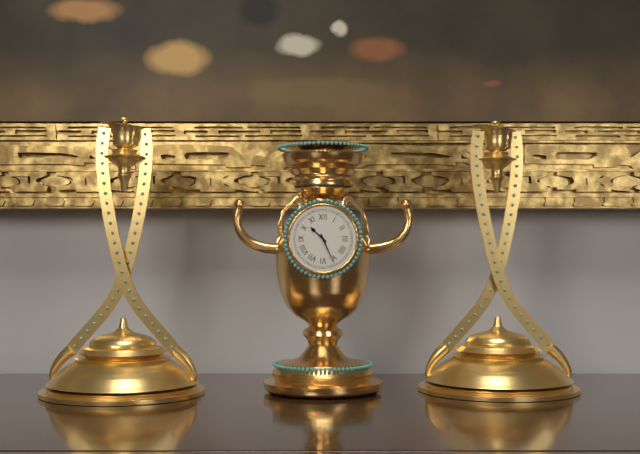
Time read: 10h26
